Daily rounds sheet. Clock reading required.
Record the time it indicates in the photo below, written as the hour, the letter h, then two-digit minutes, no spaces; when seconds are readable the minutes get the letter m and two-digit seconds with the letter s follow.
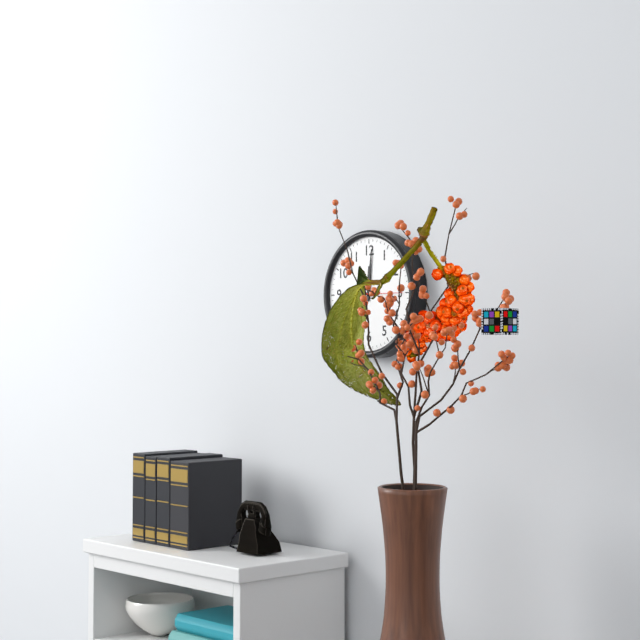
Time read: 12h01
